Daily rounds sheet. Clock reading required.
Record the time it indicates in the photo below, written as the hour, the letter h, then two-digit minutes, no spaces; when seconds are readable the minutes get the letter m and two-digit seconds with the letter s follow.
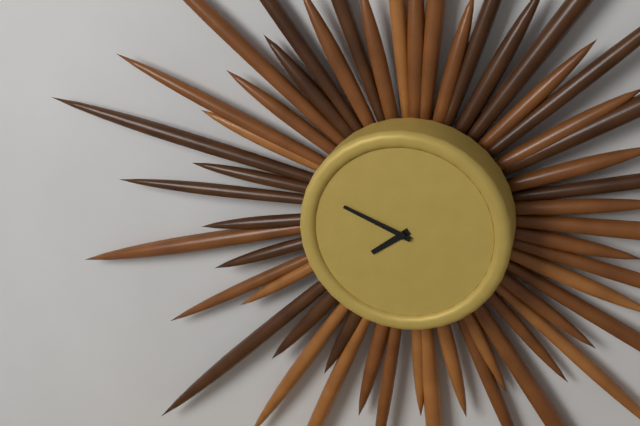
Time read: 7h49
